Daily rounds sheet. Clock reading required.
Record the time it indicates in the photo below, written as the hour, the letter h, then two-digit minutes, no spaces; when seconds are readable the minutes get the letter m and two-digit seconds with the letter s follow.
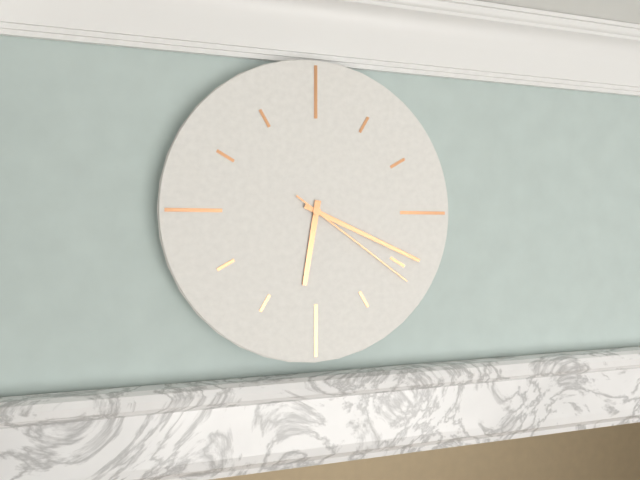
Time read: 6h19m21s
